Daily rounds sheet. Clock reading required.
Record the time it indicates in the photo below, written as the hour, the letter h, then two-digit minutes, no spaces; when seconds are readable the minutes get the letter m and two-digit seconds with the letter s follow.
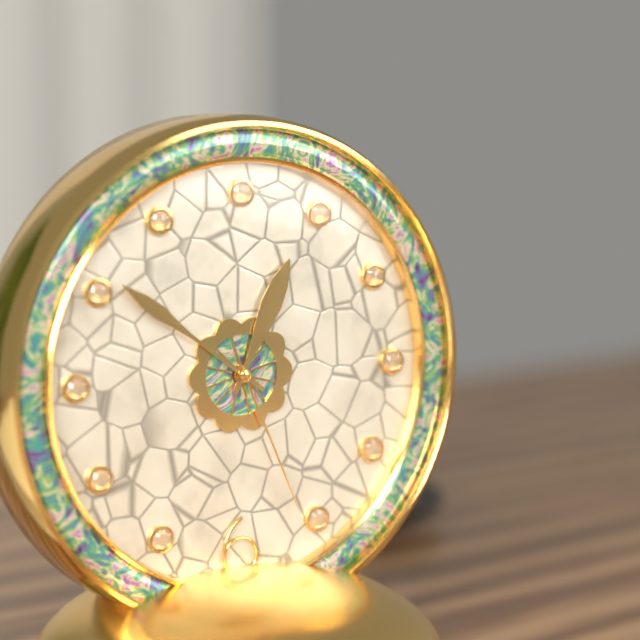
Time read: 12h51m26s
